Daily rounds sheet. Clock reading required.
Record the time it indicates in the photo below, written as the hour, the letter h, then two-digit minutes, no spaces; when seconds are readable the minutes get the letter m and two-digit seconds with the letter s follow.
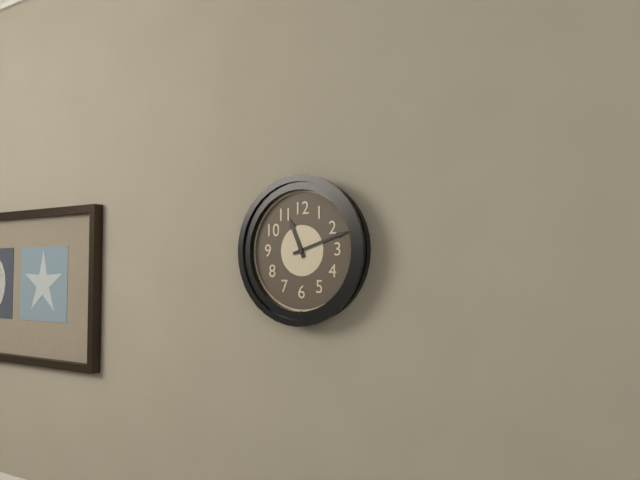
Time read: 11h12
